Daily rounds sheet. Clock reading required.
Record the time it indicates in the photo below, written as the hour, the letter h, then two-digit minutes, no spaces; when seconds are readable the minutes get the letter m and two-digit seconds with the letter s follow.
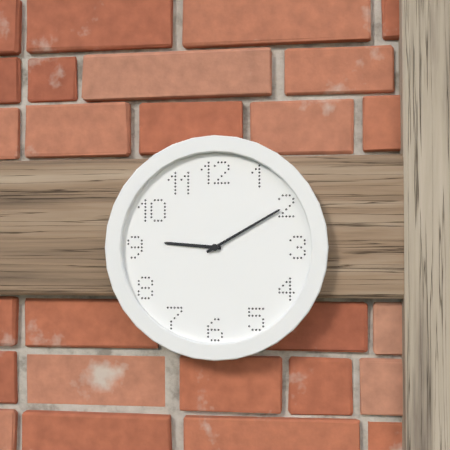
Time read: 9h10
